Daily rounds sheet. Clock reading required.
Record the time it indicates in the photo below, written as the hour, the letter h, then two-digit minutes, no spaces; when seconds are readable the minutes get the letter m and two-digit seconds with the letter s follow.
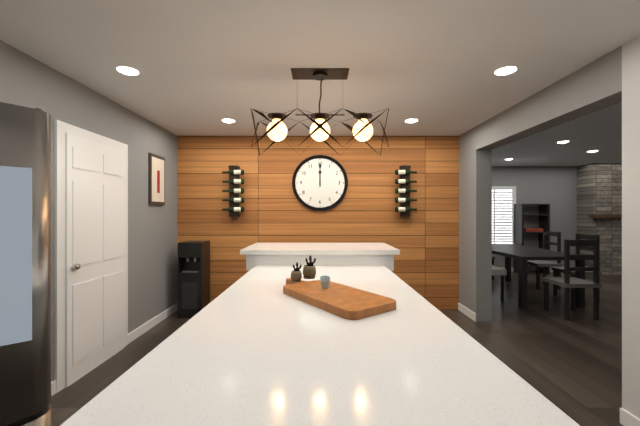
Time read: 12h00
